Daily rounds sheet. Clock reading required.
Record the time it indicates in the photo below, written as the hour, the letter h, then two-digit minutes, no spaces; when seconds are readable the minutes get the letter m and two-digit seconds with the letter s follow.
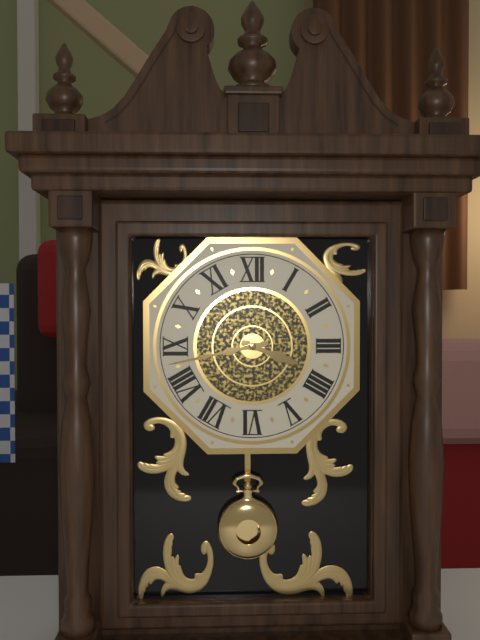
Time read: 3h43
